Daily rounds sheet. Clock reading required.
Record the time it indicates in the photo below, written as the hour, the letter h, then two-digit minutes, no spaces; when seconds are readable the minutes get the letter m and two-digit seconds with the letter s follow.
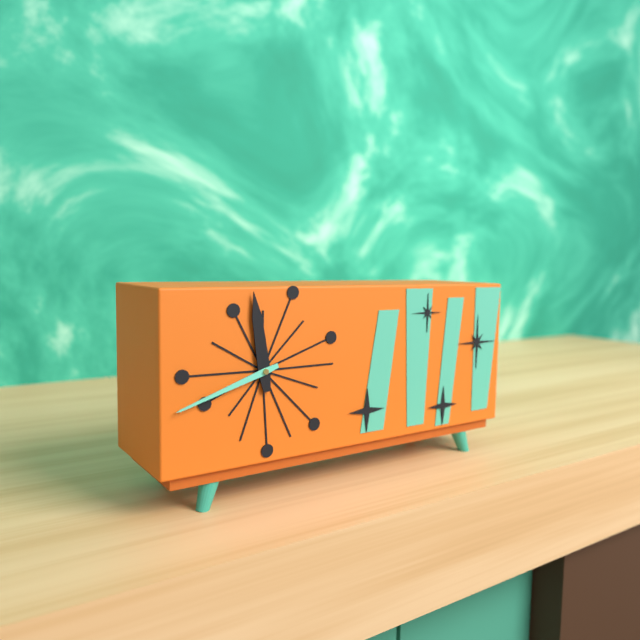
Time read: 11h42
